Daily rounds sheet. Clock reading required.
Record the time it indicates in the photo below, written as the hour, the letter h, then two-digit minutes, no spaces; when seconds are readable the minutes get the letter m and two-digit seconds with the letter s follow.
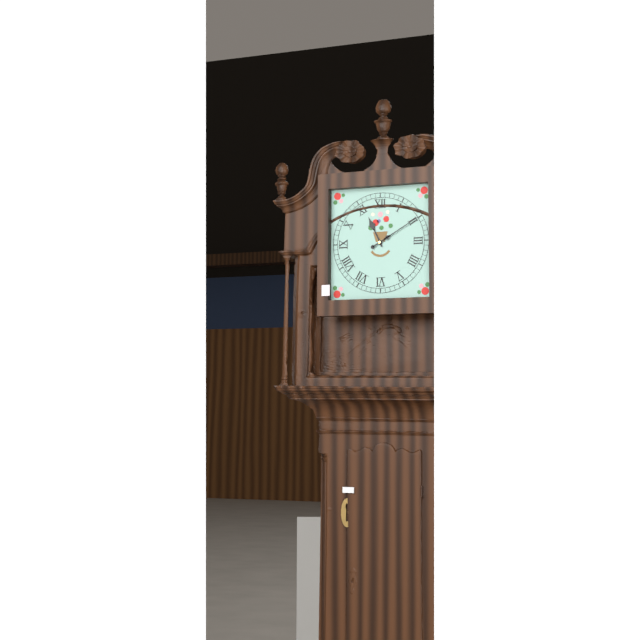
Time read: 11h10
